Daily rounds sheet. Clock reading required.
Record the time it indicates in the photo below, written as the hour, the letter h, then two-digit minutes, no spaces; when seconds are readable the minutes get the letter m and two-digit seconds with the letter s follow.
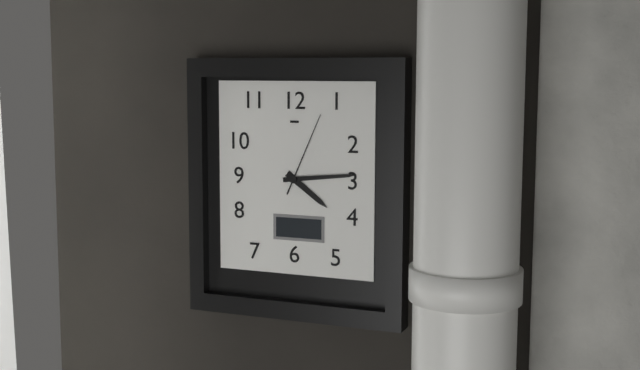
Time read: 4h14m04s
